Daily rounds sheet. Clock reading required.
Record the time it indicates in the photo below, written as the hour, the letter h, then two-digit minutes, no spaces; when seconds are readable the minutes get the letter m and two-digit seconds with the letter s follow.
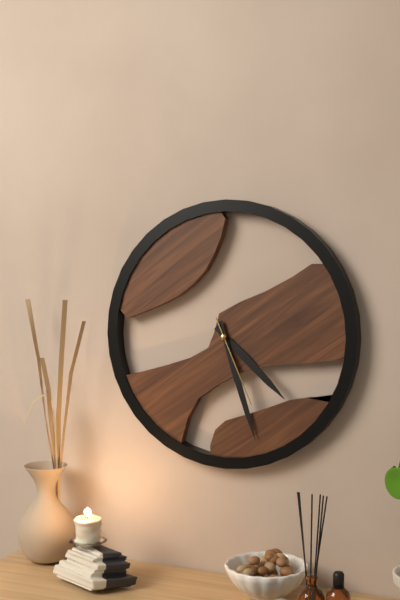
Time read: 4h27m26s
